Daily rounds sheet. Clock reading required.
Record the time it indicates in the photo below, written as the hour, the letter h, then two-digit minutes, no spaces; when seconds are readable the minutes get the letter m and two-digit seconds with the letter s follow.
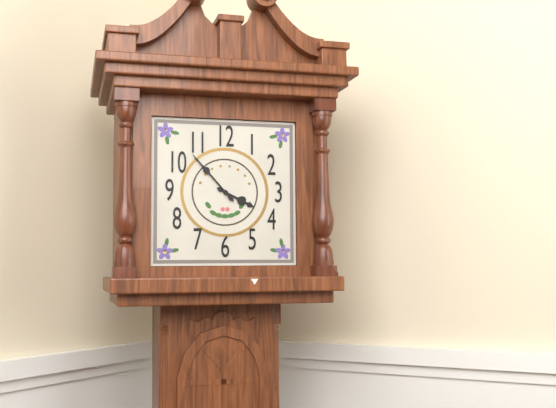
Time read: 3h53
